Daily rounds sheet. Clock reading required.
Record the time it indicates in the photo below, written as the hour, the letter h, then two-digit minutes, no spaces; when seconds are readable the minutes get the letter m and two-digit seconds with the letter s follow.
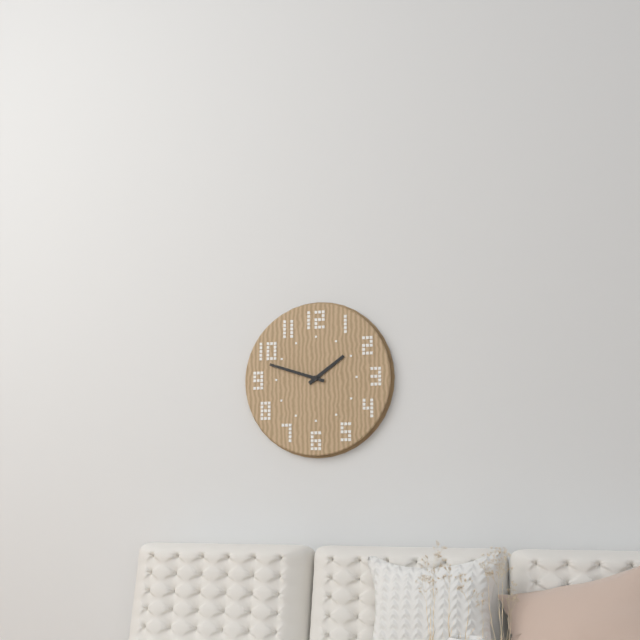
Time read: 1h48
